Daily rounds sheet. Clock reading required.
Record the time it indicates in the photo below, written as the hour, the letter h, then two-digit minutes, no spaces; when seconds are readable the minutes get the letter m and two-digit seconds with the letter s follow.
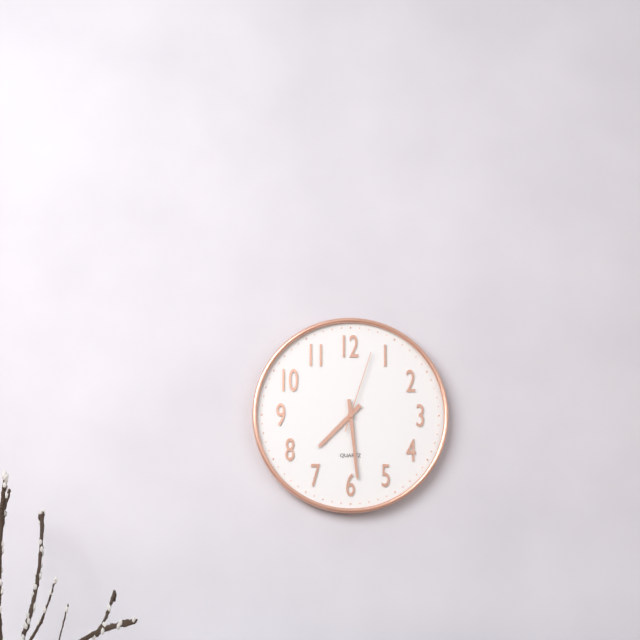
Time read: 7h29m03s
